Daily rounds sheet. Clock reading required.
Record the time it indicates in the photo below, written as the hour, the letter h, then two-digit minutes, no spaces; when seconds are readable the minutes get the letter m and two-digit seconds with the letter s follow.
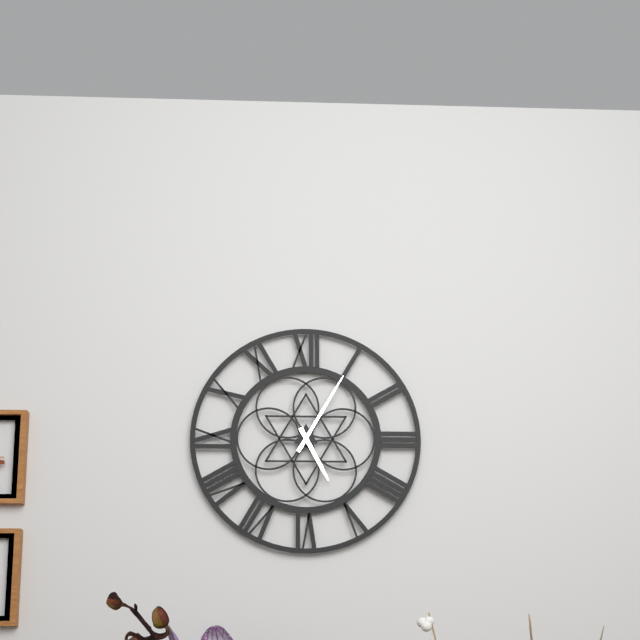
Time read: 5h05
